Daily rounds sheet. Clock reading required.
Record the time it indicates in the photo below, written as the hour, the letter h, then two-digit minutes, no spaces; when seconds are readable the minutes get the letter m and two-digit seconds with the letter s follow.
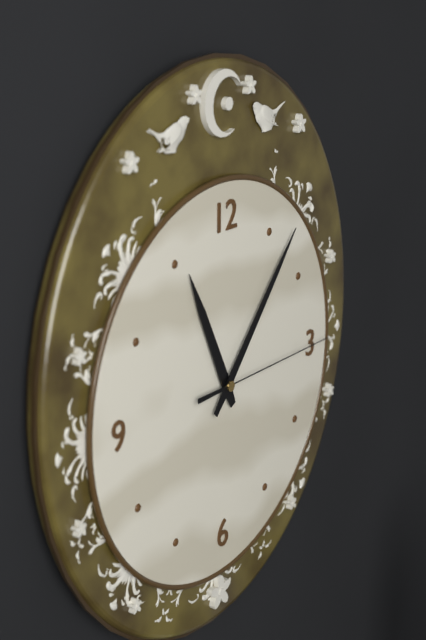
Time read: 11h07m15s
